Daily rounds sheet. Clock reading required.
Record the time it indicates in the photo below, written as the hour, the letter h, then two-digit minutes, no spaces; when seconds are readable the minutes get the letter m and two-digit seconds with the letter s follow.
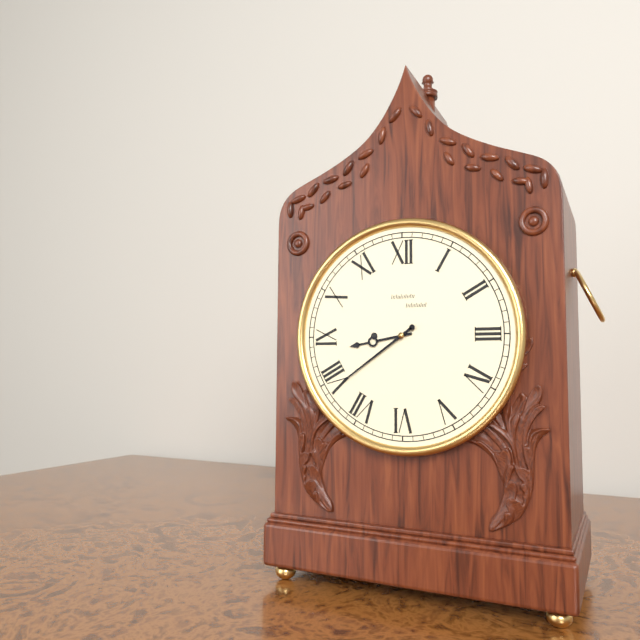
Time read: 8h39
